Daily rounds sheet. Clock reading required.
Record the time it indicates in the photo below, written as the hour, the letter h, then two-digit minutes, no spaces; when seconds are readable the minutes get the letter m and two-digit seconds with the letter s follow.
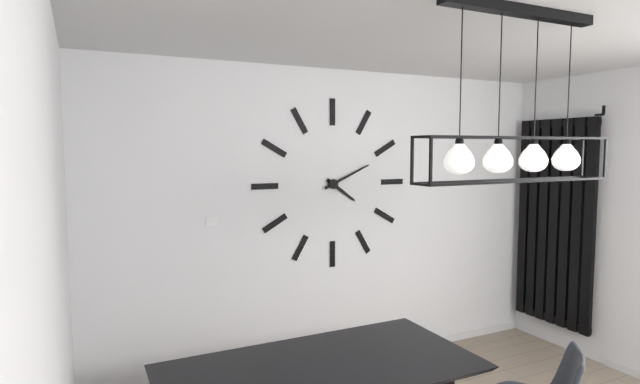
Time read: 4h11
